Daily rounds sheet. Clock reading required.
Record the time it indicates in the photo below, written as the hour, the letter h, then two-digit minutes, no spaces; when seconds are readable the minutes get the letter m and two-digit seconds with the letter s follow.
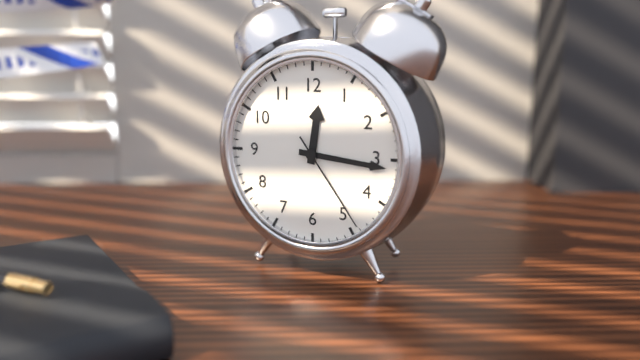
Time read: 12h16m24s
